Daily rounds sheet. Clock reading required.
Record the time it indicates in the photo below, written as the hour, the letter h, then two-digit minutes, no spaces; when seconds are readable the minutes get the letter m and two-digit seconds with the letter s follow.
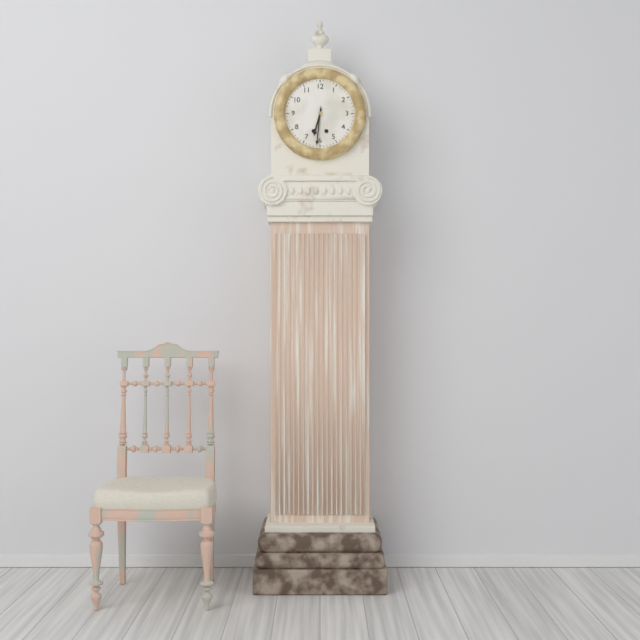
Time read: 6h31
